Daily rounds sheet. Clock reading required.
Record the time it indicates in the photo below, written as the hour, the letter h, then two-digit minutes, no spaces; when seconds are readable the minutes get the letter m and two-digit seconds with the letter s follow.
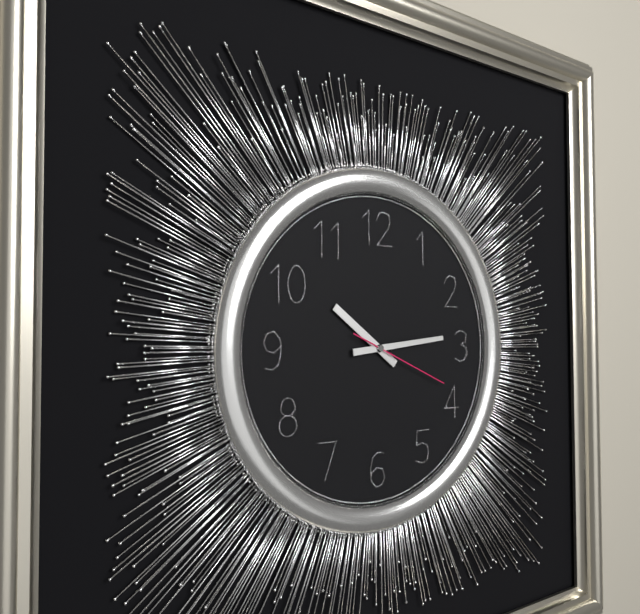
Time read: 10h14m19s
